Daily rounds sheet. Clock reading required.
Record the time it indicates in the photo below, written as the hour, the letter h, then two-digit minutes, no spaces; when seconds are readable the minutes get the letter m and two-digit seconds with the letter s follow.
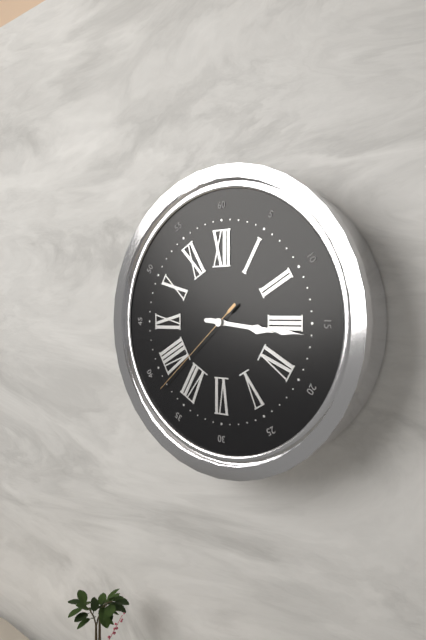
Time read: 3h16m38s
